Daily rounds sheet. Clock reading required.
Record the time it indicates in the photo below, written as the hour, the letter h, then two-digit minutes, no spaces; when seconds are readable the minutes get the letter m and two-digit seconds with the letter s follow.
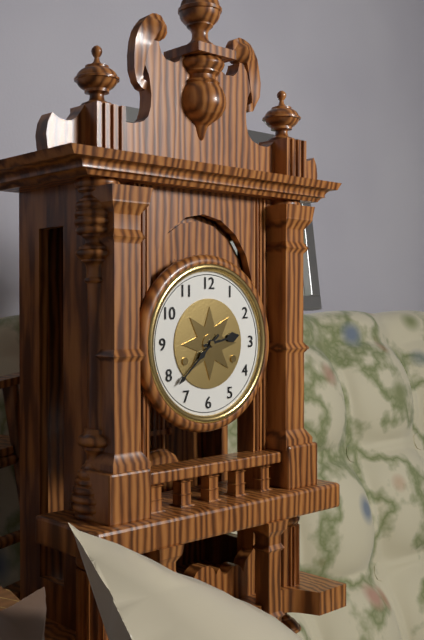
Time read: 2h38
